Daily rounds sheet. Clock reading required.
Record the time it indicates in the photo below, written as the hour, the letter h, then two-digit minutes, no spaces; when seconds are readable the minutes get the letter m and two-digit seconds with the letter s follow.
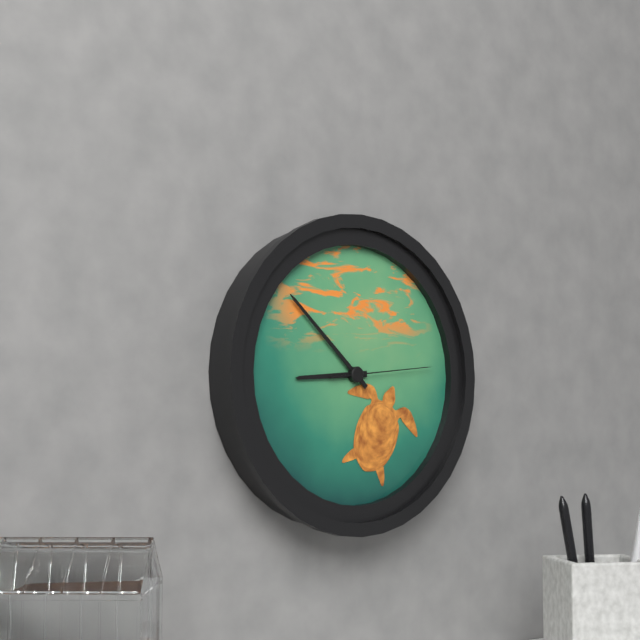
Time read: 8h52m14s
